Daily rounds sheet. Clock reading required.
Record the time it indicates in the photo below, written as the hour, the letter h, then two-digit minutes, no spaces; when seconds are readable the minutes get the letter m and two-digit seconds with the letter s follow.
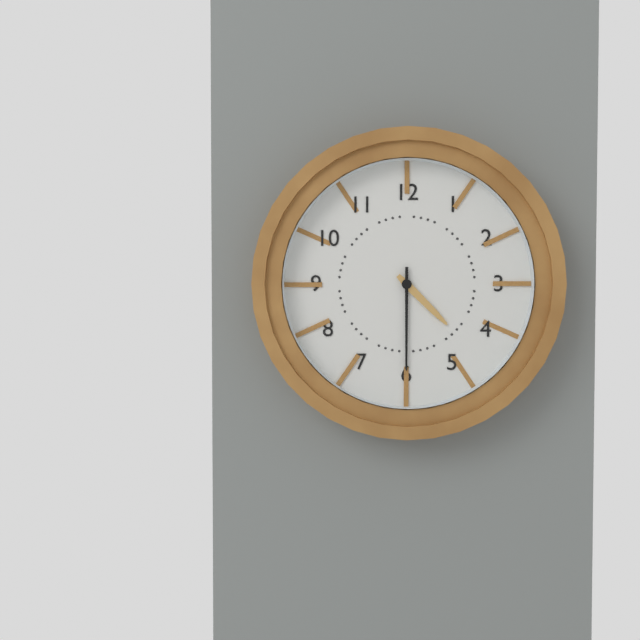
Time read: 4h30
